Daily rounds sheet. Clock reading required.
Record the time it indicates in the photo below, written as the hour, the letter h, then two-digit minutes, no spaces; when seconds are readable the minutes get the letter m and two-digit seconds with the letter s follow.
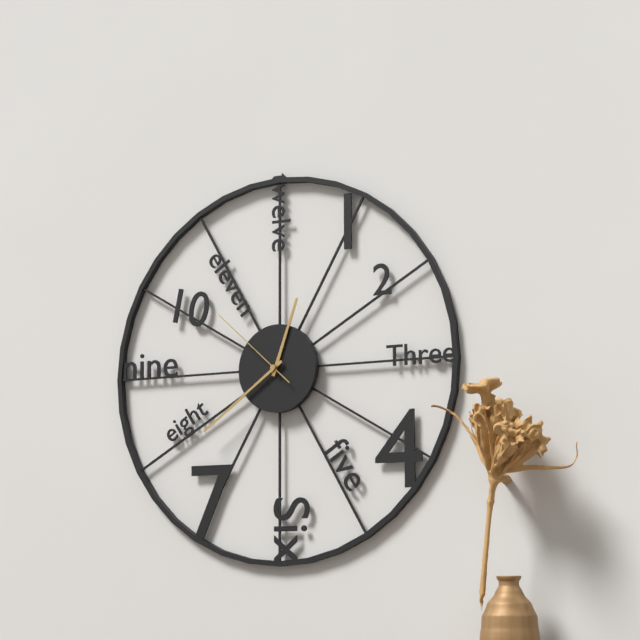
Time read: 12h39m52s
